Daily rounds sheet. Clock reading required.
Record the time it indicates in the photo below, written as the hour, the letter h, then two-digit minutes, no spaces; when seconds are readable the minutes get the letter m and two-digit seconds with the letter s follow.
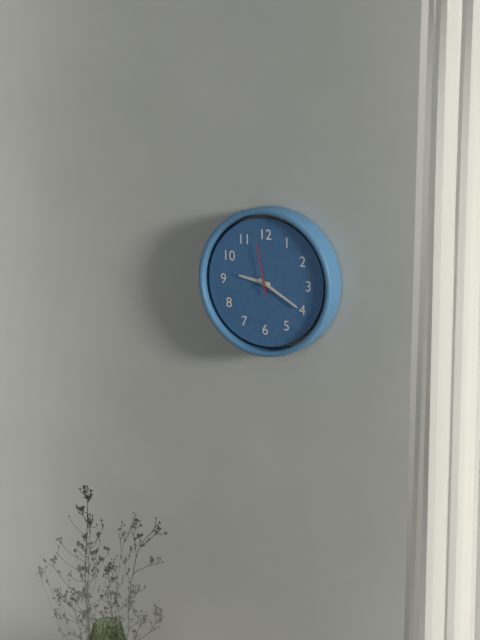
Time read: 9h20m58s
